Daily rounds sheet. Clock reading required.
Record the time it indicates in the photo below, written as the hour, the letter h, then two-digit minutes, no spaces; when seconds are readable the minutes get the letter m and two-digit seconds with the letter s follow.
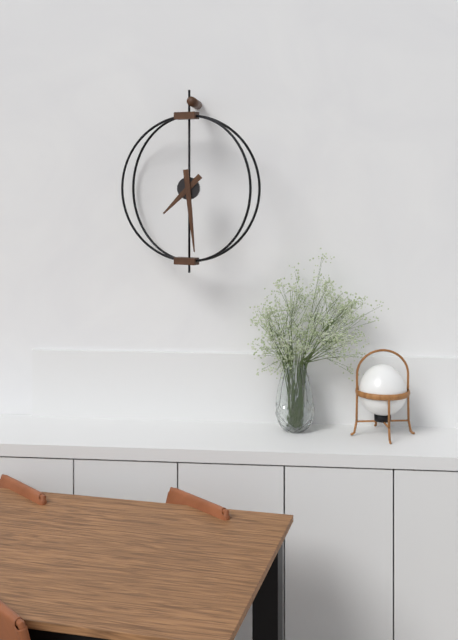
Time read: 7h29
